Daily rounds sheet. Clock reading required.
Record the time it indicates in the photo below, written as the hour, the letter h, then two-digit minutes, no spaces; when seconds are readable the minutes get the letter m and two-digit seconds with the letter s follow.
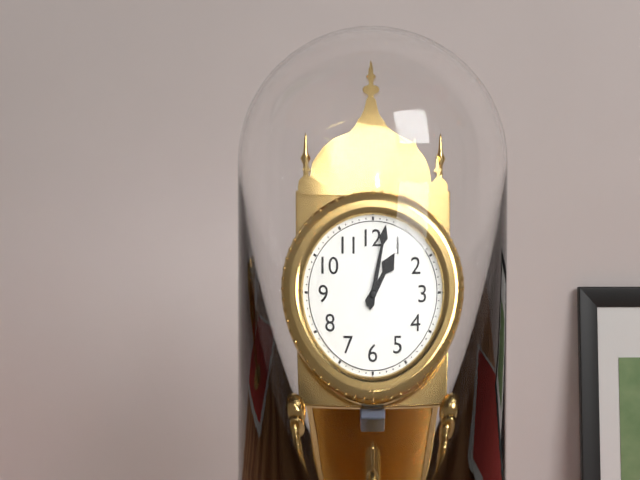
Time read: 1h02
